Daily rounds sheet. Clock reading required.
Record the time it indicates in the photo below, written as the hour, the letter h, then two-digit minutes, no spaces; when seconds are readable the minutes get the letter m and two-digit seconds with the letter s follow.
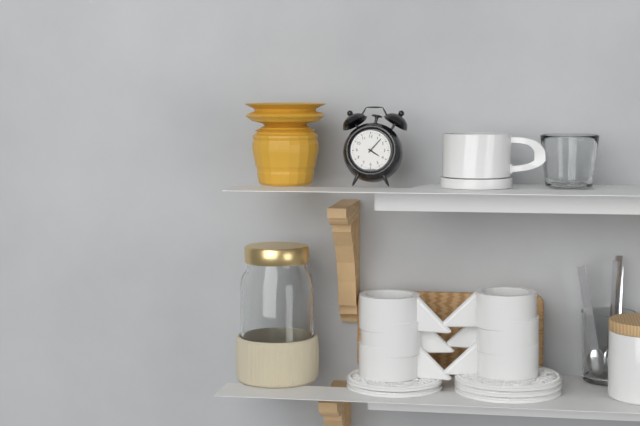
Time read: 4h07
